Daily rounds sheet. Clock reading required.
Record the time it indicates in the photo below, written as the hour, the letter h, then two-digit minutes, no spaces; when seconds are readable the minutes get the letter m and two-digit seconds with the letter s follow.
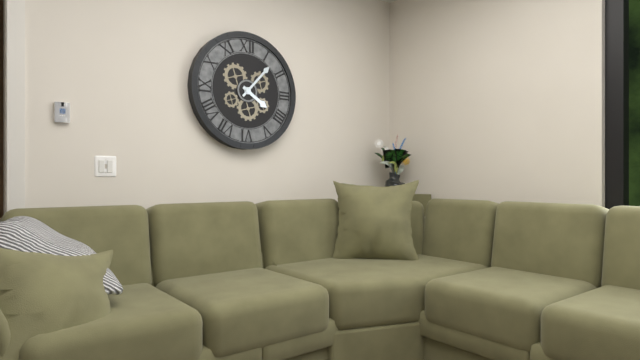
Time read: 4h07
